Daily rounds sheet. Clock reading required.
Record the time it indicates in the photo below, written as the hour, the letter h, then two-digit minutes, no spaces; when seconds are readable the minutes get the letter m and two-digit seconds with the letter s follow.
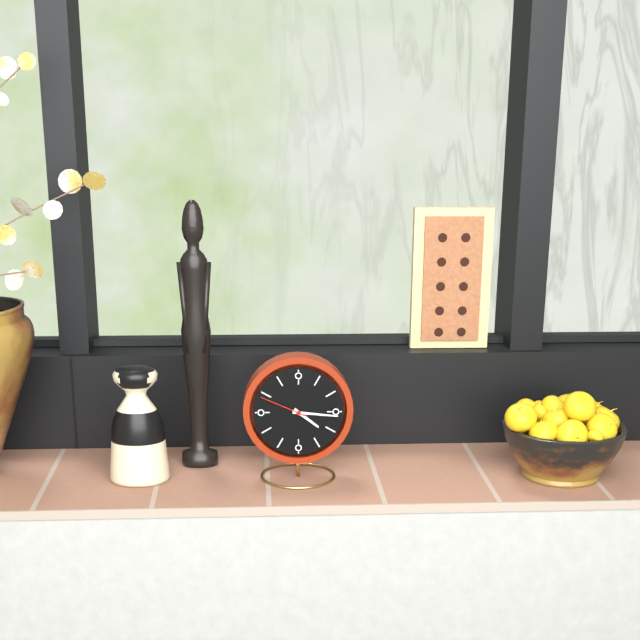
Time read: 4h16m49s
